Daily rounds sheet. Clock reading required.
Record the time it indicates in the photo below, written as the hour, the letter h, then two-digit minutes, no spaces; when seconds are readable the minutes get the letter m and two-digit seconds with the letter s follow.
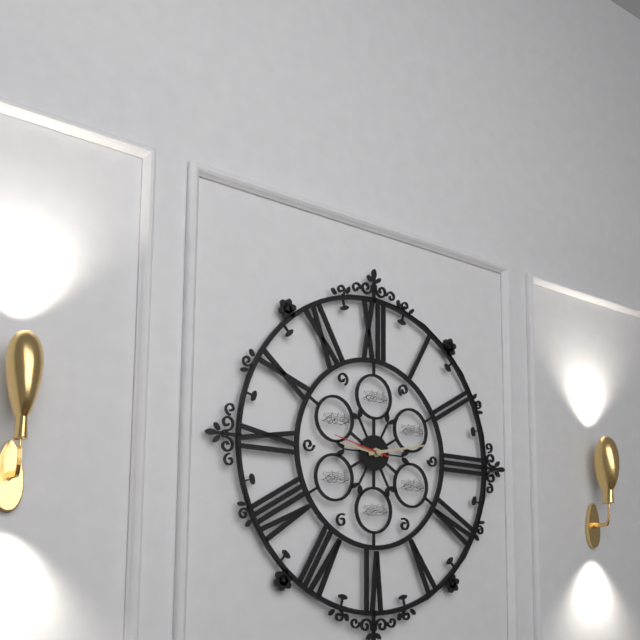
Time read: 9h13m47s
